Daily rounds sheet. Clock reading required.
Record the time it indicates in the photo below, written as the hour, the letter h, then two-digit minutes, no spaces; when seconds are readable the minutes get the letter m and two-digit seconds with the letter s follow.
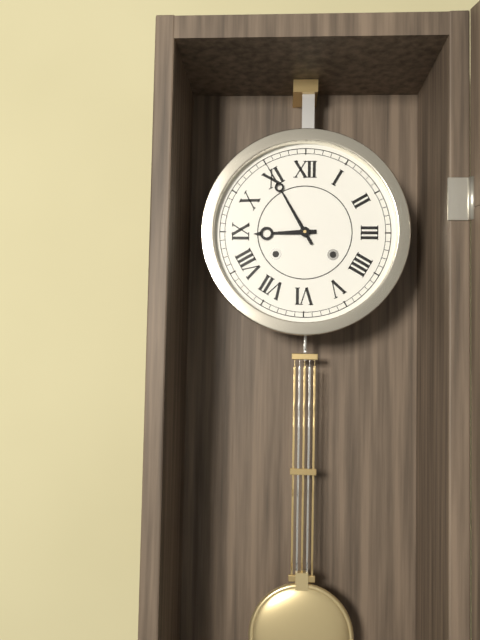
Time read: 8h55
